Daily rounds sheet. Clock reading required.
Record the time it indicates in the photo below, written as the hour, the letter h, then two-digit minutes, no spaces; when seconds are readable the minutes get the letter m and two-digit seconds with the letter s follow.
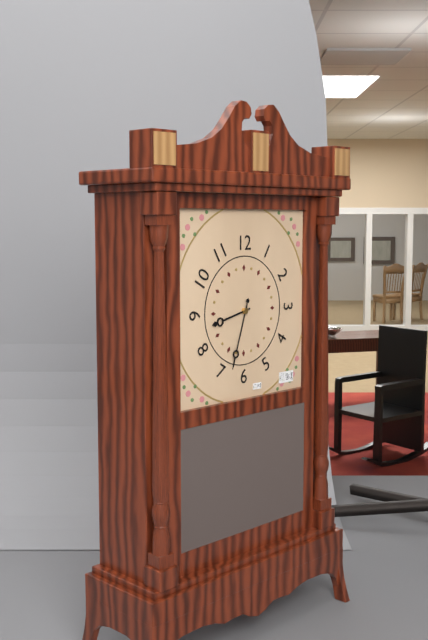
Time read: 8h33
